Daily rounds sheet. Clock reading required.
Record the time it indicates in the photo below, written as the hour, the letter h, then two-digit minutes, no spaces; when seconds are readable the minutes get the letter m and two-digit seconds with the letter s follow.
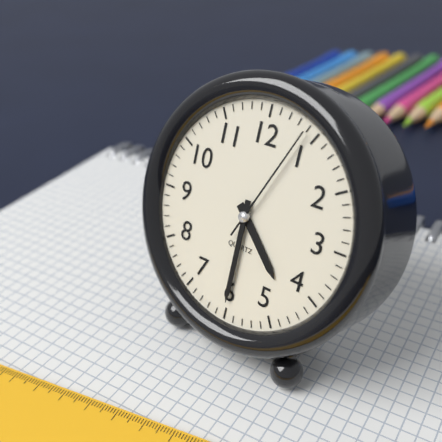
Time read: 4h30m04s
